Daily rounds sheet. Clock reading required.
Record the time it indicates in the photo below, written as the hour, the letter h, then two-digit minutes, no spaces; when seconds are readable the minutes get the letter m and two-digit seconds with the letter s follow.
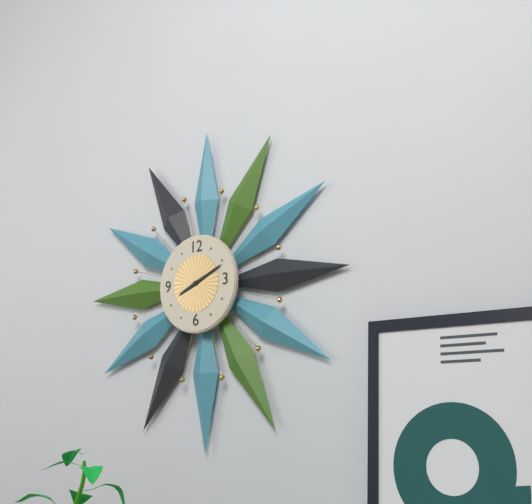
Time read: 8h11
